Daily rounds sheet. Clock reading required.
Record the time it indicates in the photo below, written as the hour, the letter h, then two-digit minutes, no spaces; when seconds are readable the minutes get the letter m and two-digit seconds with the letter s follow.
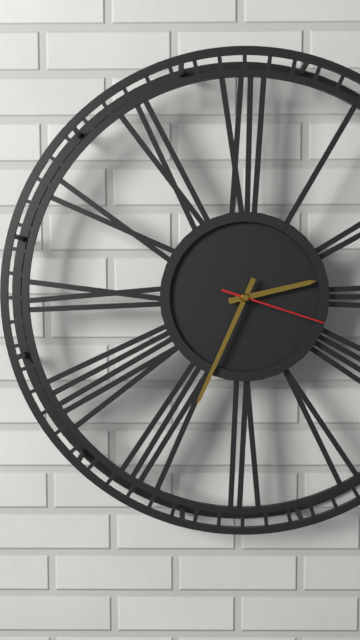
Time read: 2h34m18s
